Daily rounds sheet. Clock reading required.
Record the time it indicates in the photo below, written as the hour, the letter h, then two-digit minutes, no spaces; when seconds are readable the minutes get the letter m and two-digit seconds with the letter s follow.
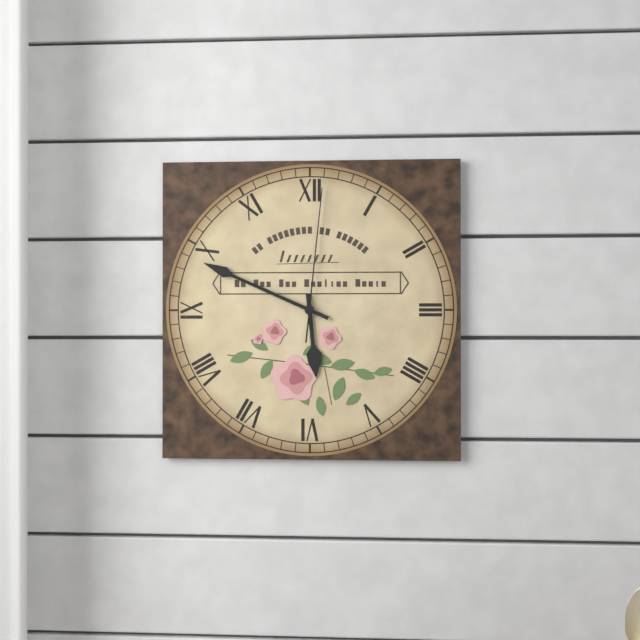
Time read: 5h49m01s
